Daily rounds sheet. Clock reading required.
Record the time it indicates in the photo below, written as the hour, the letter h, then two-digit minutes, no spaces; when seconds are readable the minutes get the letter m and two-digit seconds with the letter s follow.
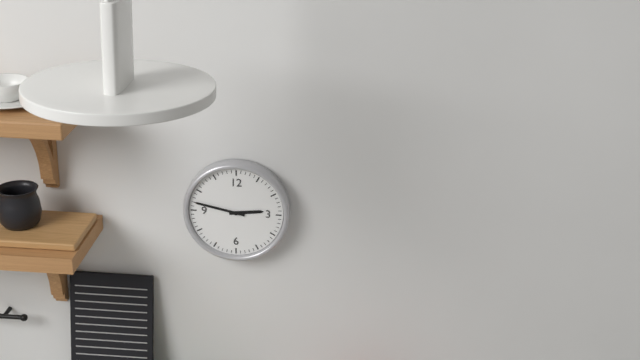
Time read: 2h47
